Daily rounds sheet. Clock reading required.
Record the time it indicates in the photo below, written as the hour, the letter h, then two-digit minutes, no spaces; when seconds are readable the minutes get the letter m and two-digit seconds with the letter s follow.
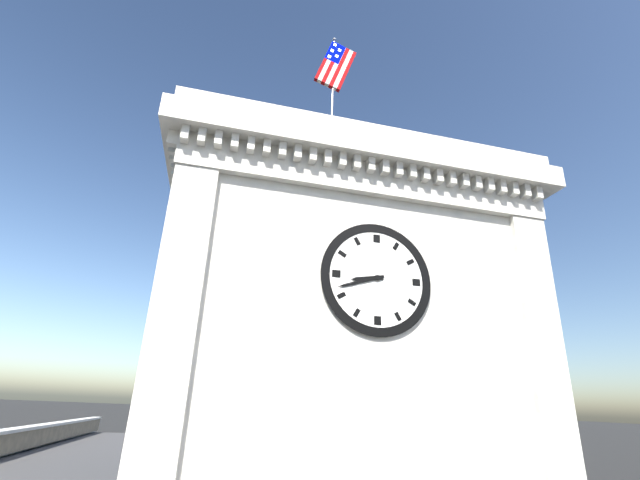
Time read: 8h42
